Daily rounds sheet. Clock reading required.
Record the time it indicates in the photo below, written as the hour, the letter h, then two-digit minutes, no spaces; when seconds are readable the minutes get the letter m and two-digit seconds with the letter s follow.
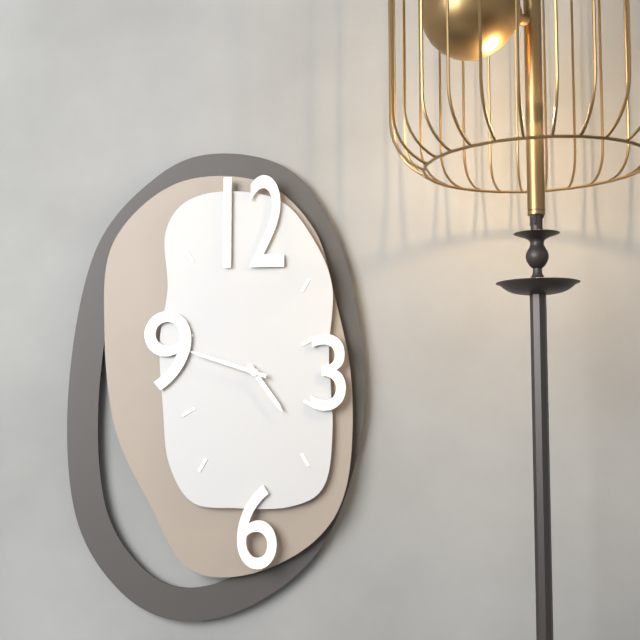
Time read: 4h48
